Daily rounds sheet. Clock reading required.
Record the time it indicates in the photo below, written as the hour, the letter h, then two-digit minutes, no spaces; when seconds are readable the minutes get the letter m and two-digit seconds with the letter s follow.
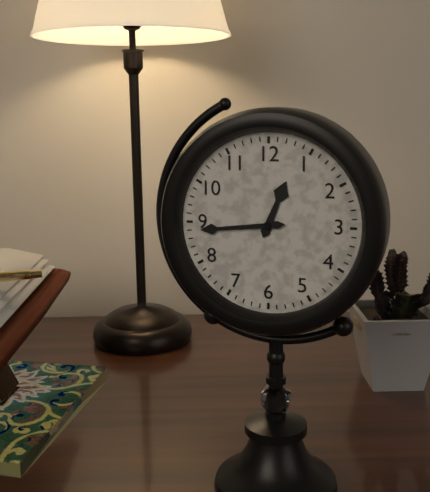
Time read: 12h44
